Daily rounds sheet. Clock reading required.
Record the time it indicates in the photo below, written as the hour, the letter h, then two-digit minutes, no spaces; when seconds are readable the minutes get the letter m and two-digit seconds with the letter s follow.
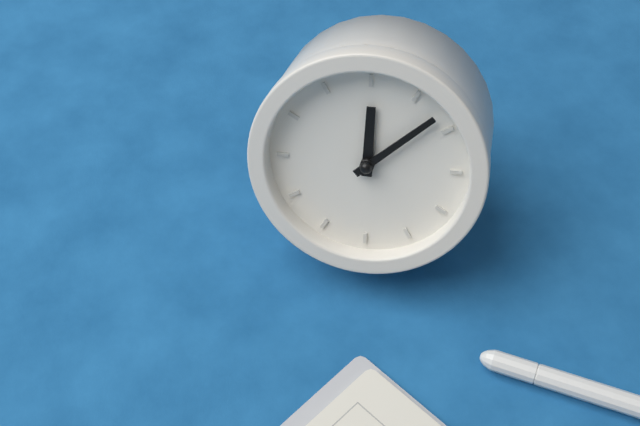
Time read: 11h03
